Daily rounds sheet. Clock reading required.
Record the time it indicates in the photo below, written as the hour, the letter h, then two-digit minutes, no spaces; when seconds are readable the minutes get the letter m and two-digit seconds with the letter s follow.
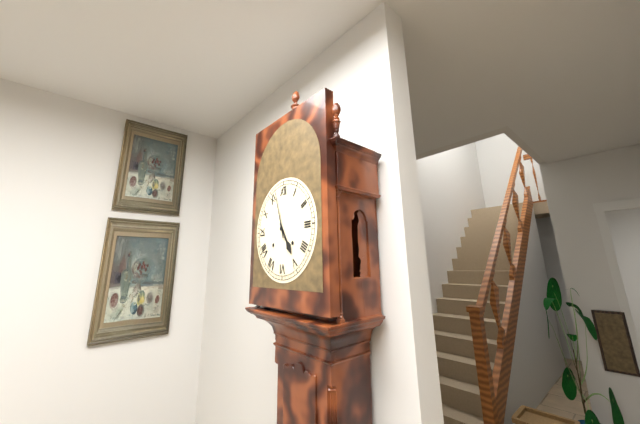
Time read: 4h57
